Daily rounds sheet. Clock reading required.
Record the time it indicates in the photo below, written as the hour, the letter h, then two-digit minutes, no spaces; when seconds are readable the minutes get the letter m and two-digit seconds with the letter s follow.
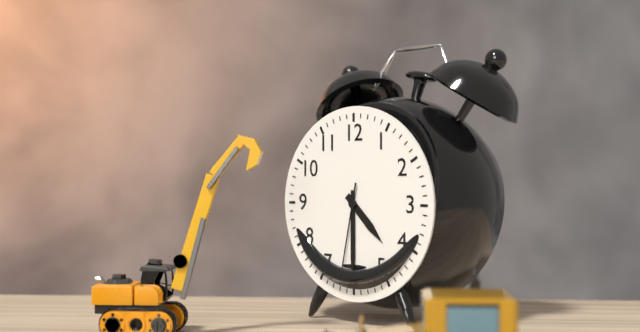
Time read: 4h30m32s
